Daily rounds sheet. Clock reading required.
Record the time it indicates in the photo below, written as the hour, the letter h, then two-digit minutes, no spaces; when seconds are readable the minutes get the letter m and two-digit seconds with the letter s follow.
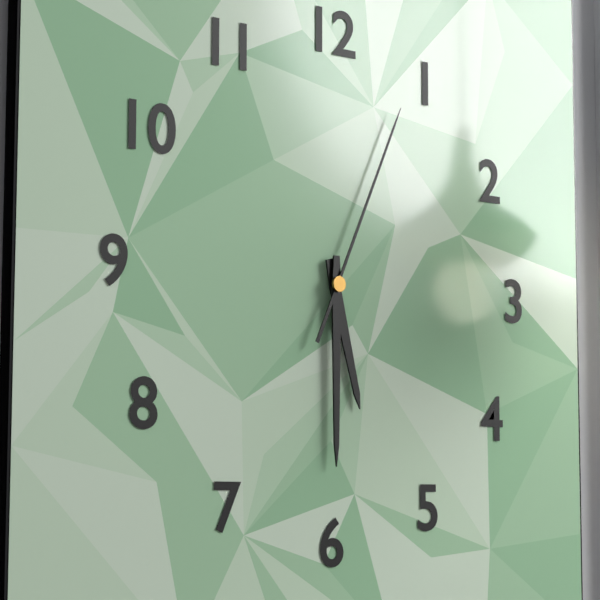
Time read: 5h30m04s
